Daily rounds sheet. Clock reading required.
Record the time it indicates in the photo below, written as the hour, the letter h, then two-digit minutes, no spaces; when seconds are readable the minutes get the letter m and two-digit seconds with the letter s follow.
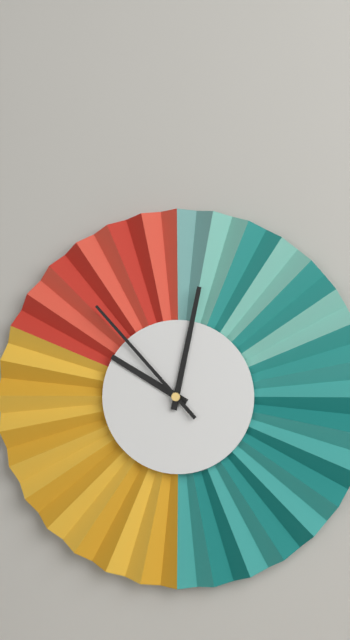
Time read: 10h02m53s
